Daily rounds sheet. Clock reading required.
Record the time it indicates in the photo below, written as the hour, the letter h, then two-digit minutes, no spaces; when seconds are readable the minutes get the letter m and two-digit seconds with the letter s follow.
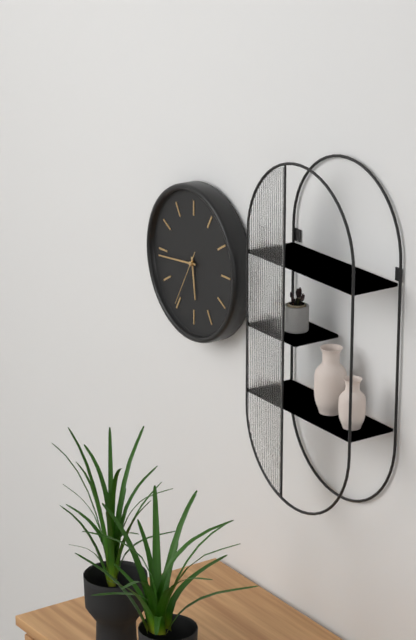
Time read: 5h44m35s
